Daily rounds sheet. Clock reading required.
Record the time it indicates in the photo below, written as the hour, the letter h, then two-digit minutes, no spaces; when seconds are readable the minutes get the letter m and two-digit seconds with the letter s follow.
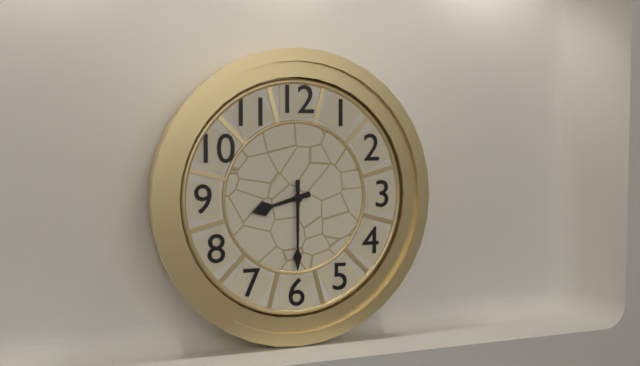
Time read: 8h30
